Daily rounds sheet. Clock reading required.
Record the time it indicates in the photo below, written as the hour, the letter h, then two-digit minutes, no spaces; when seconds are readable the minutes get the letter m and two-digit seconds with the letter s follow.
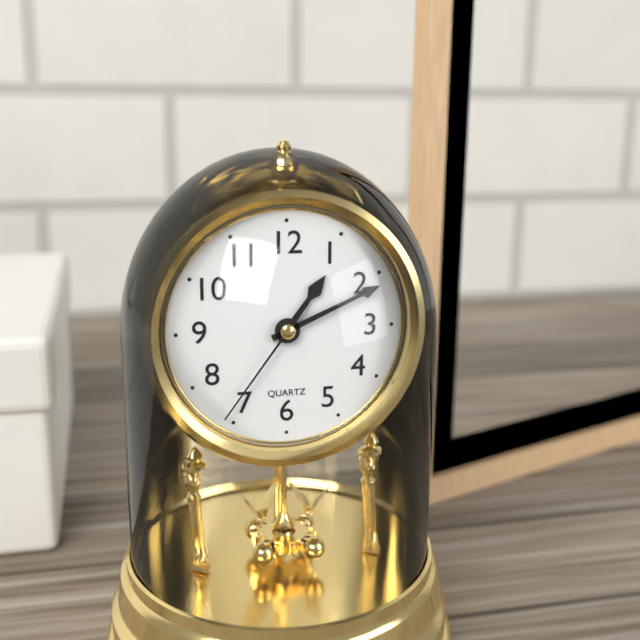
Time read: 1h11m36s
